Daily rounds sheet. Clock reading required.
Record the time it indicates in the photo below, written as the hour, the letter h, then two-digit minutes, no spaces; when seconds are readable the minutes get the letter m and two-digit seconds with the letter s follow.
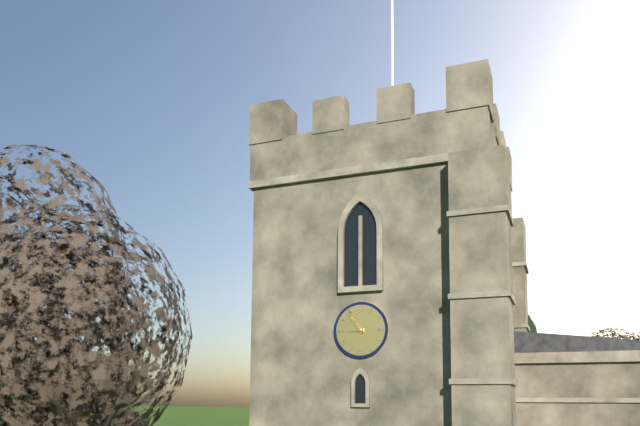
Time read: 8h54
